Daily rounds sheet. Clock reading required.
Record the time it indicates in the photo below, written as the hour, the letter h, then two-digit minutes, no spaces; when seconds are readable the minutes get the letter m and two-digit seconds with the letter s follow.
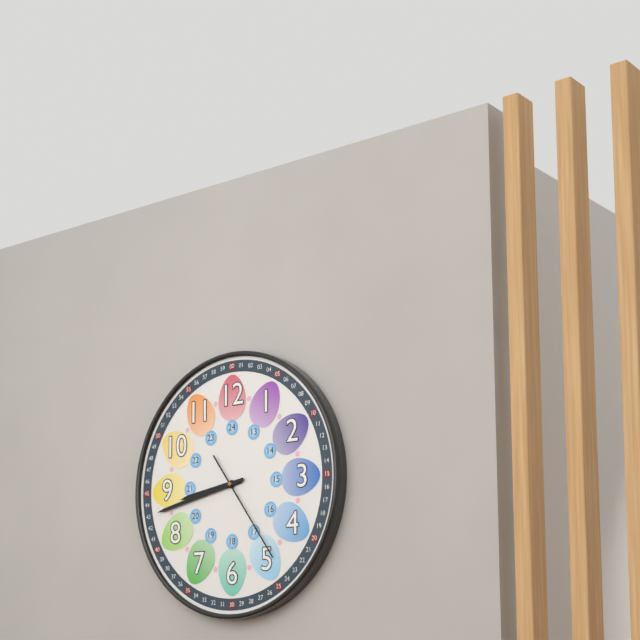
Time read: 8h43m24s
